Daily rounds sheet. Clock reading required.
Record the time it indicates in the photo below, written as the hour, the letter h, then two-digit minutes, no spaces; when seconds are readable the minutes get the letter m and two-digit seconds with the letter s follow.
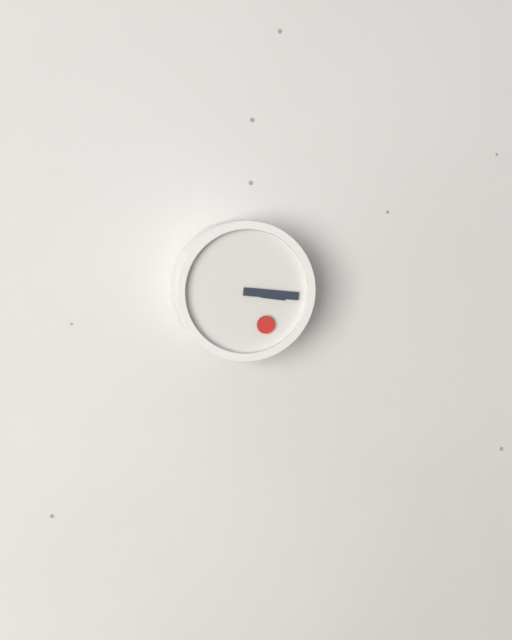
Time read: 3h16m25s
